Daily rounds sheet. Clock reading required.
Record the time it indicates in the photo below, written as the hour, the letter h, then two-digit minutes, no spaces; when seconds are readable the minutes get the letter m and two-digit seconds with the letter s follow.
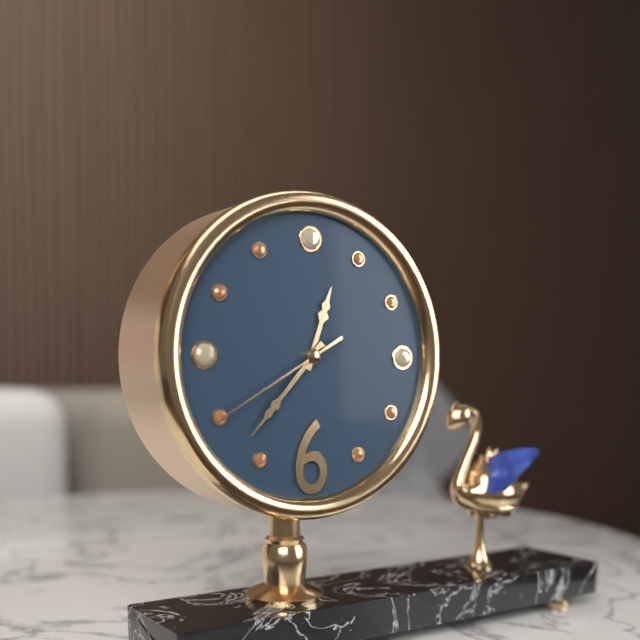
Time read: 12h37m40s
